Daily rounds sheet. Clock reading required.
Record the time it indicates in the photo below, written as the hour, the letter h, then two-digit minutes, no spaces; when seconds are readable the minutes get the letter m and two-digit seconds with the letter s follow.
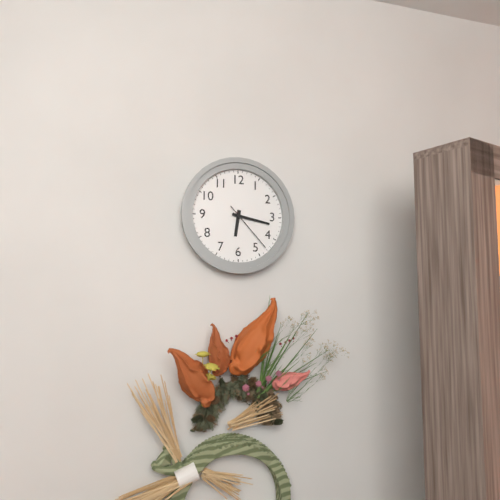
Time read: 6h17m23s
